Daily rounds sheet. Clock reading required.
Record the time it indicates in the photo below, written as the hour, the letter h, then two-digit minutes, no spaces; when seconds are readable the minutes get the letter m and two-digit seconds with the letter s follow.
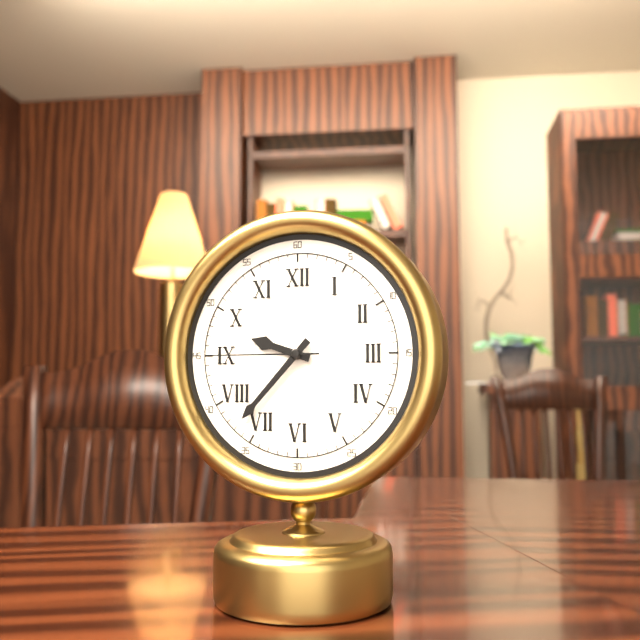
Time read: 9h37m45s
